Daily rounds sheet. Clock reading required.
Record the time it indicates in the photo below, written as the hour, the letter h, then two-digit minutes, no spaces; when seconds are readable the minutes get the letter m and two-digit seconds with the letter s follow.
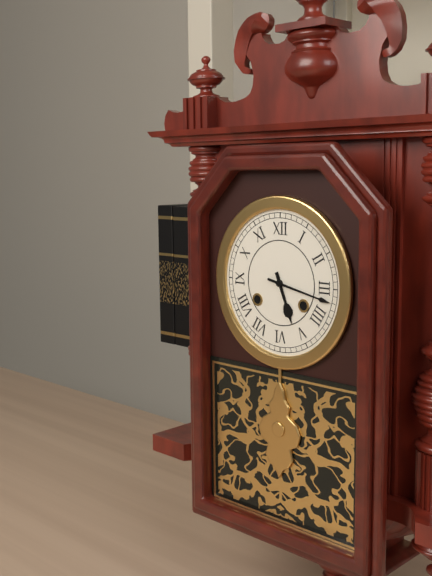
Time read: 5h17
